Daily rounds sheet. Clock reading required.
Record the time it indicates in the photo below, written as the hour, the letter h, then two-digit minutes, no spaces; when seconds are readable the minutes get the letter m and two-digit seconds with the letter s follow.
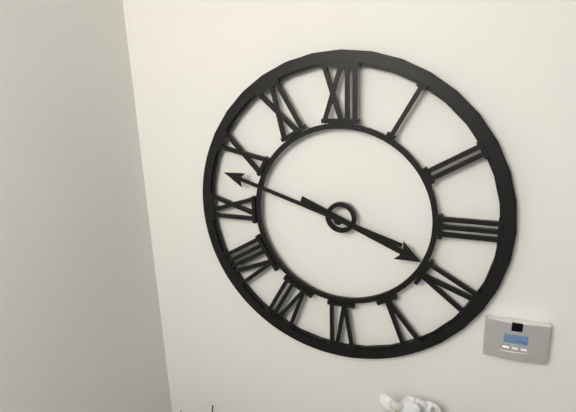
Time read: 3h48
